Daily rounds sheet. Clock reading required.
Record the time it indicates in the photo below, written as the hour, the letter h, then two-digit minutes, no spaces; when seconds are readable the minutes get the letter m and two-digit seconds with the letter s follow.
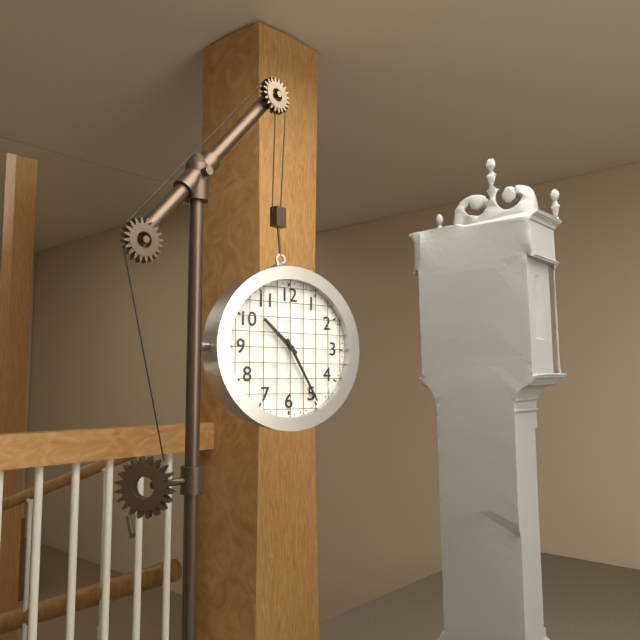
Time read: 10h25
